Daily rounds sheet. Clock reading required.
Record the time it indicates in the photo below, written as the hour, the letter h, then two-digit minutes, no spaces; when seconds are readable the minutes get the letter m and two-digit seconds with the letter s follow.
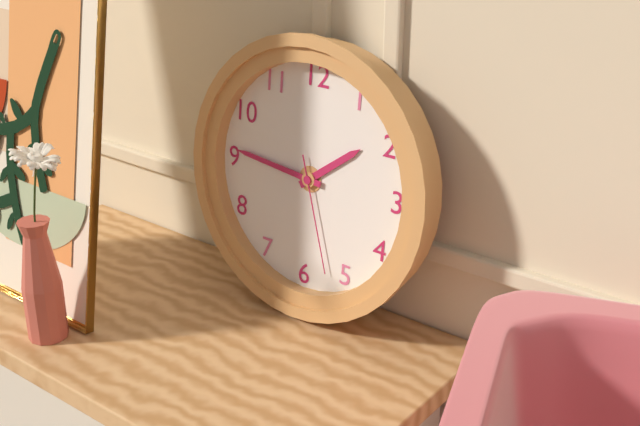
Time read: 1h46m27s
